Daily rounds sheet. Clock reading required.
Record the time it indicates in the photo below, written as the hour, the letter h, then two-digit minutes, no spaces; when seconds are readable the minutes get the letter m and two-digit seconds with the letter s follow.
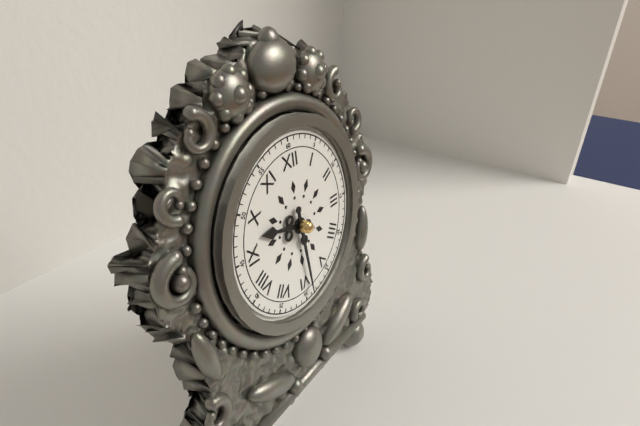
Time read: 9h29
